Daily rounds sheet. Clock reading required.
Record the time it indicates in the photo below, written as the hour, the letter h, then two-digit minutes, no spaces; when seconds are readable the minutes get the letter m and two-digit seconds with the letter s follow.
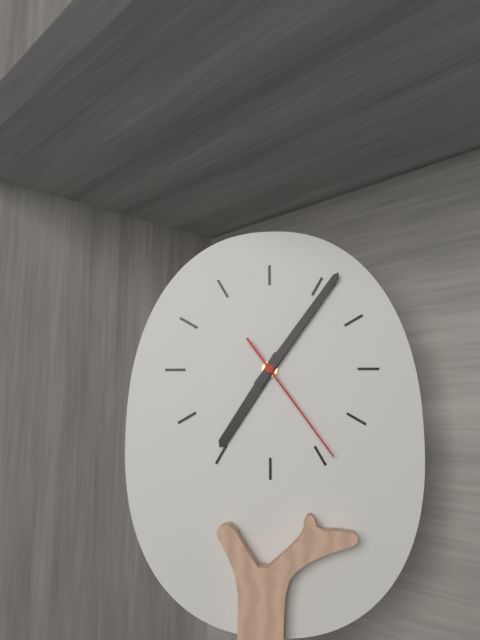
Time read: 7h06m24s
